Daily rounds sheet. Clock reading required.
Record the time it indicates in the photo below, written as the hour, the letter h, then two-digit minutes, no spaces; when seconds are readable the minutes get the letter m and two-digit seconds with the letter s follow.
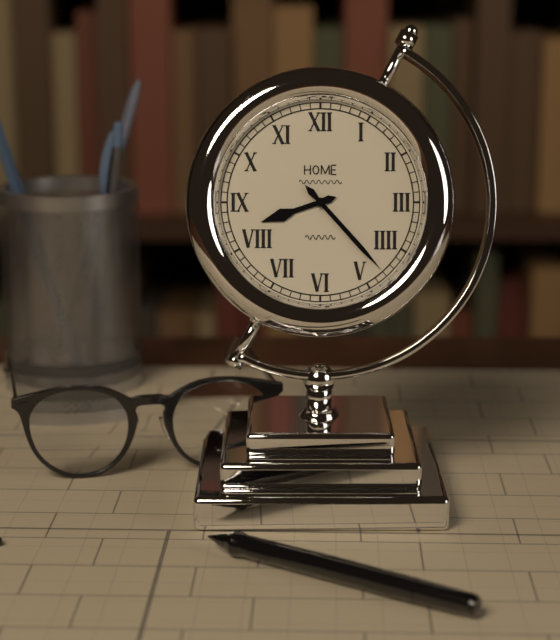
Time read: 8h23
